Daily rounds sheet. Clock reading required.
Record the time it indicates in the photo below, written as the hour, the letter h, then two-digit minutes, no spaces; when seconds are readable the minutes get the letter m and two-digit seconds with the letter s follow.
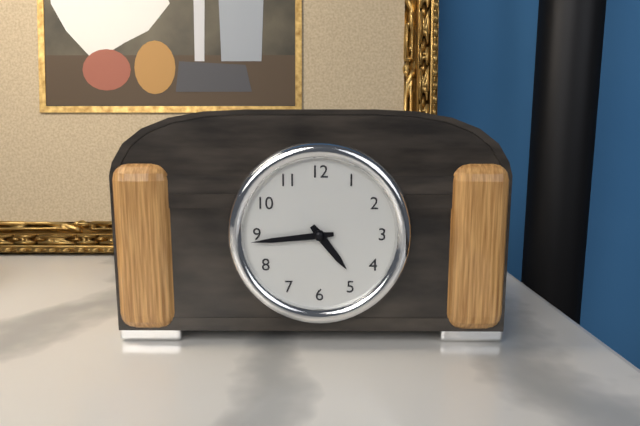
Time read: 4h44
